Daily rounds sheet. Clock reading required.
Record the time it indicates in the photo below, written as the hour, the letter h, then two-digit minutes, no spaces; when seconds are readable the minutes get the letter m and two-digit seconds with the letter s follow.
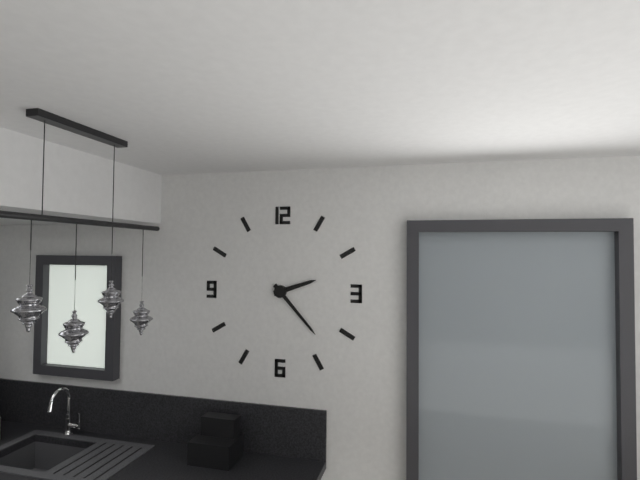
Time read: 2h23
